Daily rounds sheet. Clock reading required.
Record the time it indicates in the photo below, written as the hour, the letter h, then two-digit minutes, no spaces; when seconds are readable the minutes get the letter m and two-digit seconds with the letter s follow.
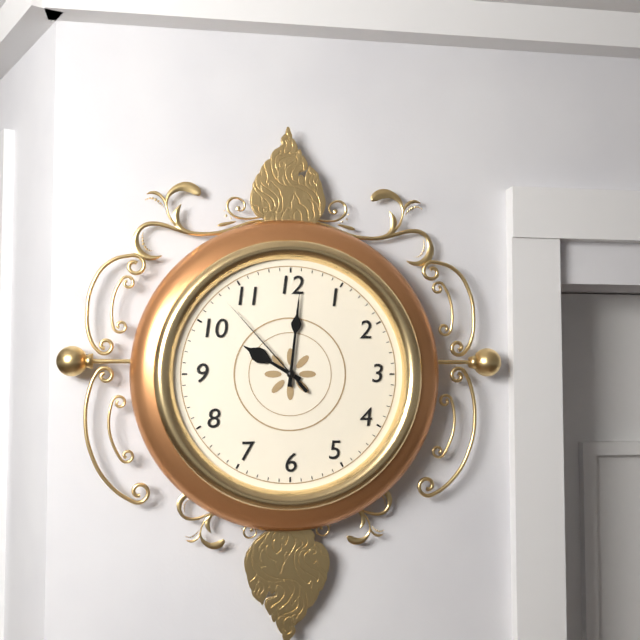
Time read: 10h01m53s
